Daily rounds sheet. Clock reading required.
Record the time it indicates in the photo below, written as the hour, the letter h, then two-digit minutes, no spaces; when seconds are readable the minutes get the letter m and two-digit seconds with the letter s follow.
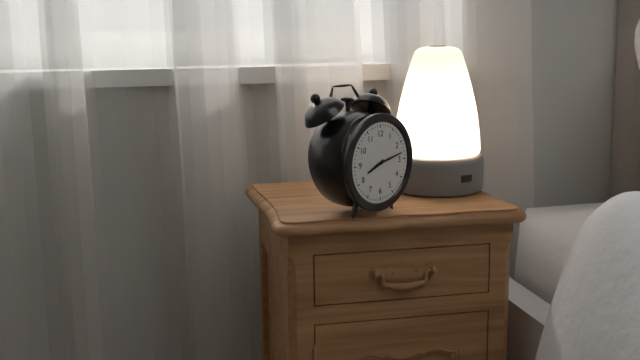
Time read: 8h13
